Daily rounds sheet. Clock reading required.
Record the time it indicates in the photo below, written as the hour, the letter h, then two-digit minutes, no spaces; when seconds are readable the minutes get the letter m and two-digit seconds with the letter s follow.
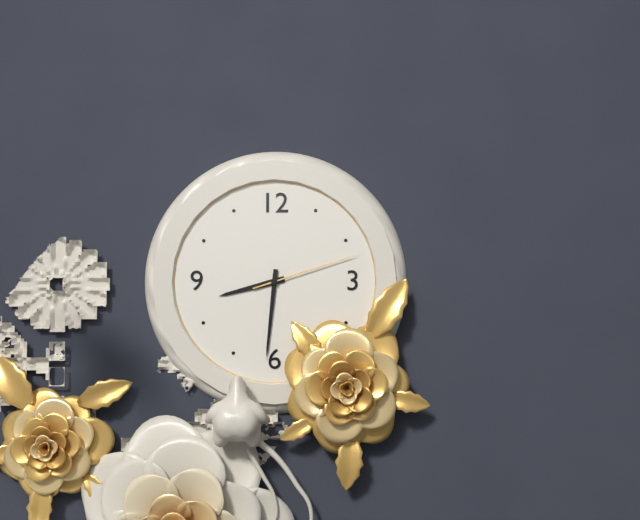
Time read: 8h31m12s
